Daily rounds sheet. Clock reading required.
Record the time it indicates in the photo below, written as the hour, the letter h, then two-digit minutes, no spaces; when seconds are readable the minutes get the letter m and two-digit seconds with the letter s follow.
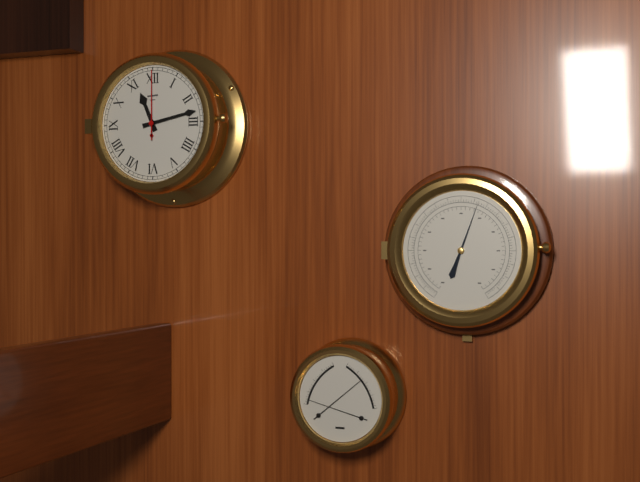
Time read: 11h13m00s
